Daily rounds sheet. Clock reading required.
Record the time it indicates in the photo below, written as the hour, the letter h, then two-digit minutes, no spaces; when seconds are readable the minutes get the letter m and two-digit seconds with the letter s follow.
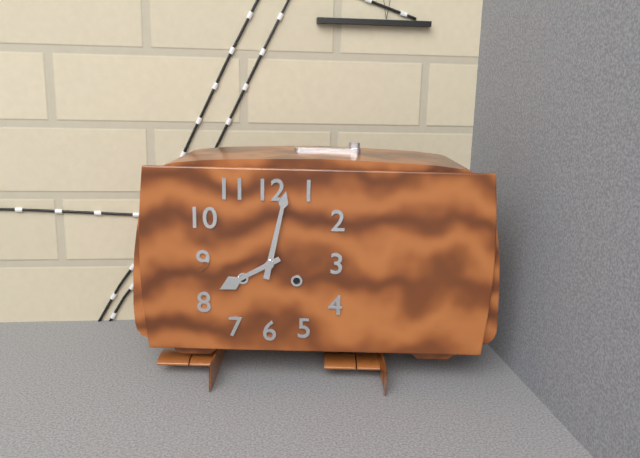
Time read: 8h02
